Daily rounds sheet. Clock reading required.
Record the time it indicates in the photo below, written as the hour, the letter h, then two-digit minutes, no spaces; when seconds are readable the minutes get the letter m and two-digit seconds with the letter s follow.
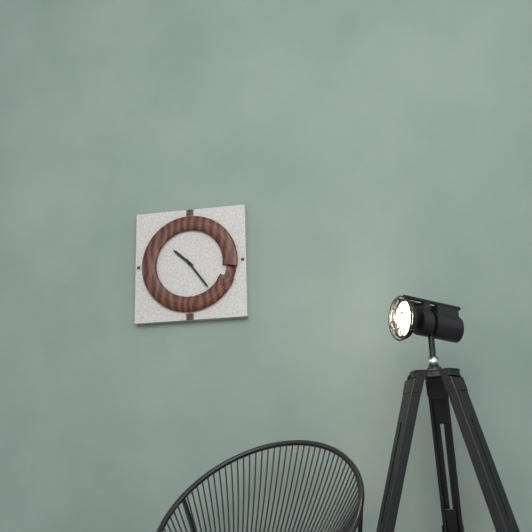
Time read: 10h24
